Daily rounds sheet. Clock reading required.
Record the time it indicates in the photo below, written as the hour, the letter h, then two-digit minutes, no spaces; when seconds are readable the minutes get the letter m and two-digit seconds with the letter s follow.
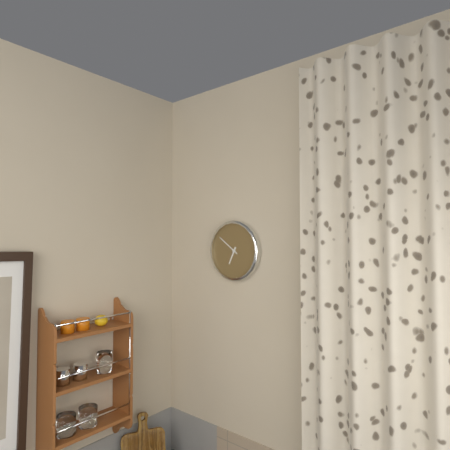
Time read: 6h51
